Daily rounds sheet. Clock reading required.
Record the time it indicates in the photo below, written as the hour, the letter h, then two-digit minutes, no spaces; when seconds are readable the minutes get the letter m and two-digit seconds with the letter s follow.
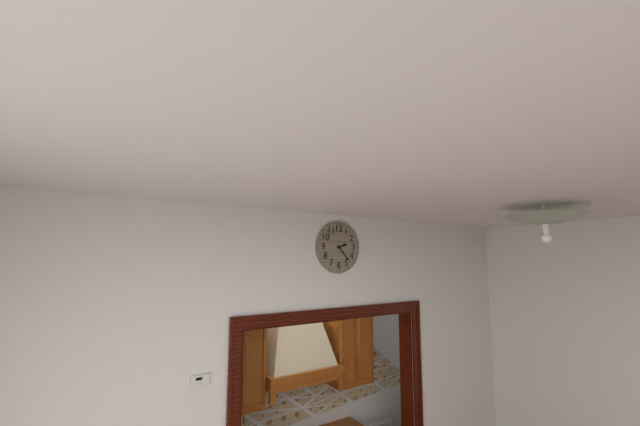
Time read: 2h23
